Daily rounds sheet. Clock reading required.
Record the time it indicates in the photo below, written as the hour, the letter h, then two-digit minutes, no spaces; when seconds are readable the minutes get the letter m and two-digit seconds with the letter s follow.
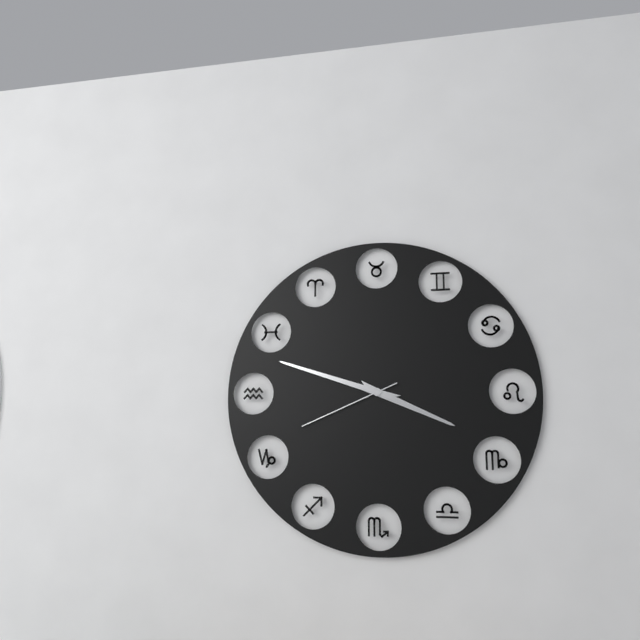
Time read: 3h48m41s
